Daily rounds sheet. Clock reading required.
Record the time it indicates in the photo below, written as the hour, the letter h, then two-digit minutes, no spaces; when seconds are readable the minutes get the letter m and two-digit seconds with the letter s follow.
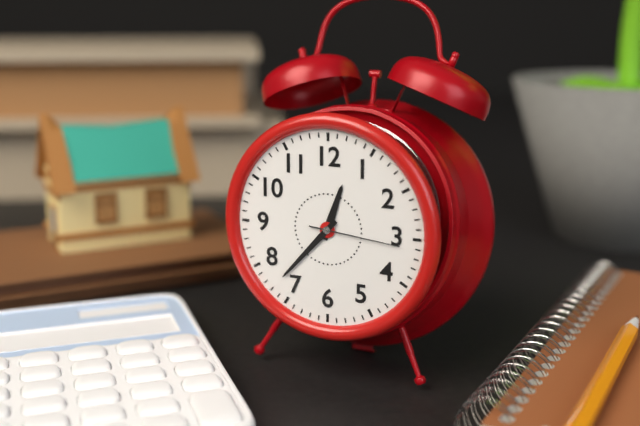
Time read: 12h37m16s
